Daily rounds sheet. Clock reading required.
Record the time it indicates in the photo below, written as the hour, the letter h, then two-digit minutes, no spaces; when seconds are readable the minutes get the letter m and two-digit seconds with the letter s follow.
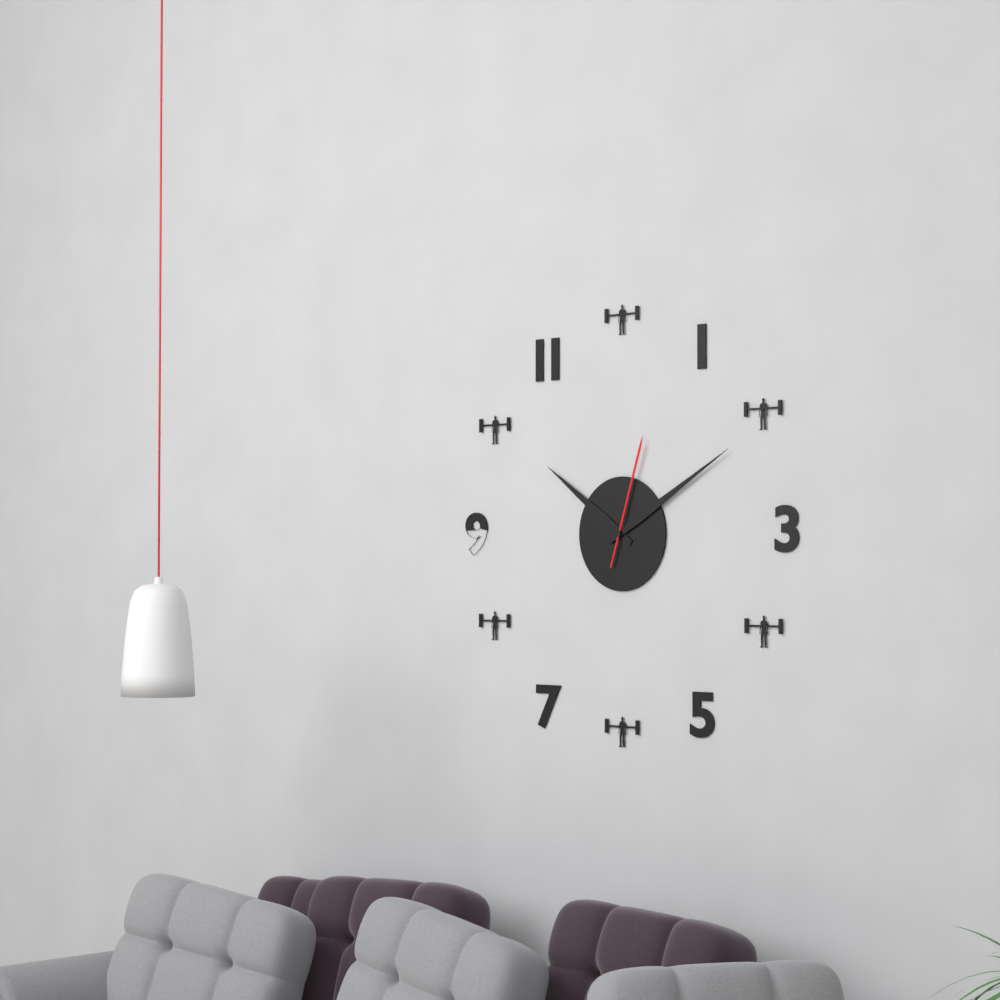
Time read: 10h10m03s
